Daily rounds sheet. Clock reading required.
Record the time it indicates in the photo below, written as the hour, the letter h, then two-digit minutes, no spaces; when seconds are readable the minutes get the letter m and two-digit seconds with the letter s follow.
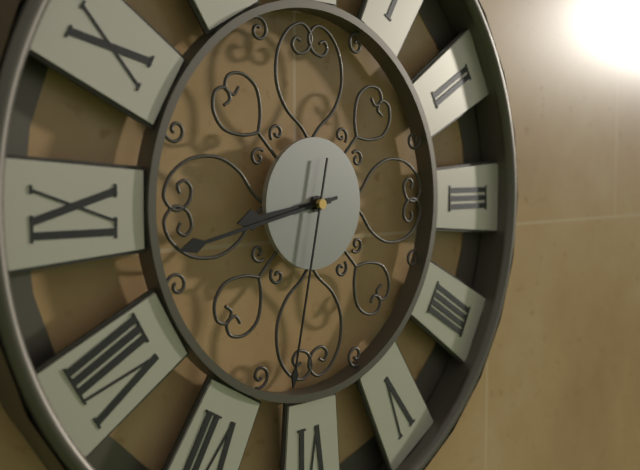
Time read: 8h43m32s
